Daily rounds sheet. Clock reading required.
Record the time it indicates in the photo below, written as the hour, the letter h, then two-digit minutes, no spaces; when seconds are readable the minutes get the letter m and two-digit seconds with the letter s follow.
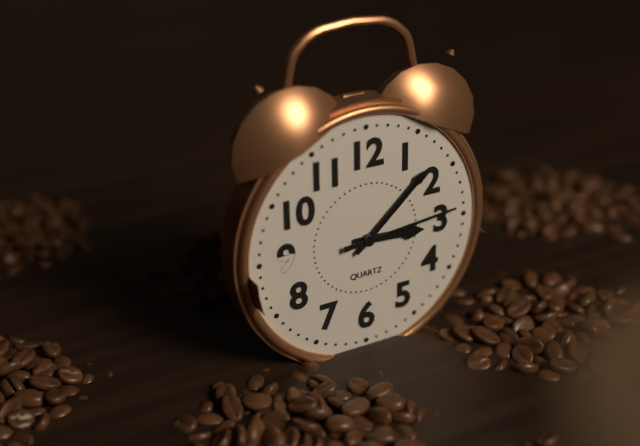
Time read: 3h08m14s
